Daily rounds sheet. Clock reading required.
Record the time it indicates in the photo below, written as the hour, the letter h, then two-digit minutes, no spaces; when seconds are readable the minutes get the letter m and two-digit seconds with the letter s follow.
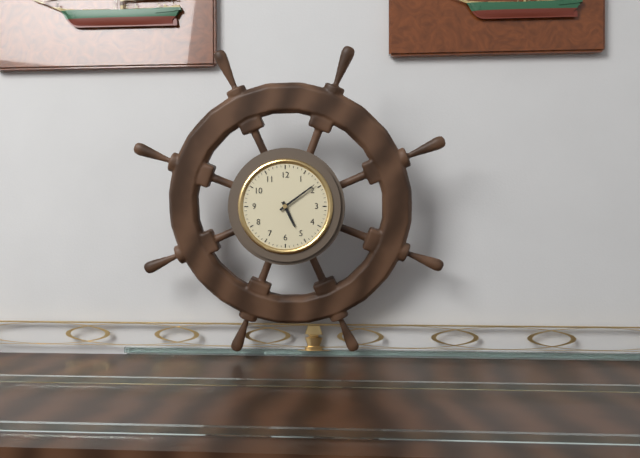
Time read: 5h09
